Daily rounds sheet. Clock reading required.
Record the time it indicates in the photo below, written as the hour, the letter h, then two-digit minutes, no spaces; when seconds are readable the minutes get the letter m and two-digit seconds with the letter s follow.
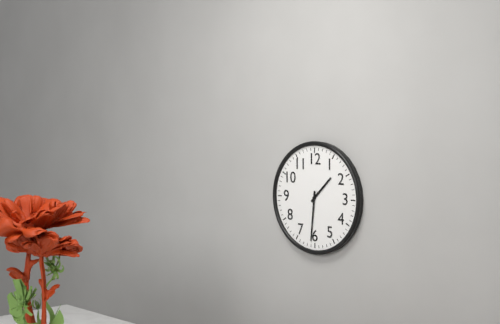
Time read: 1h31
